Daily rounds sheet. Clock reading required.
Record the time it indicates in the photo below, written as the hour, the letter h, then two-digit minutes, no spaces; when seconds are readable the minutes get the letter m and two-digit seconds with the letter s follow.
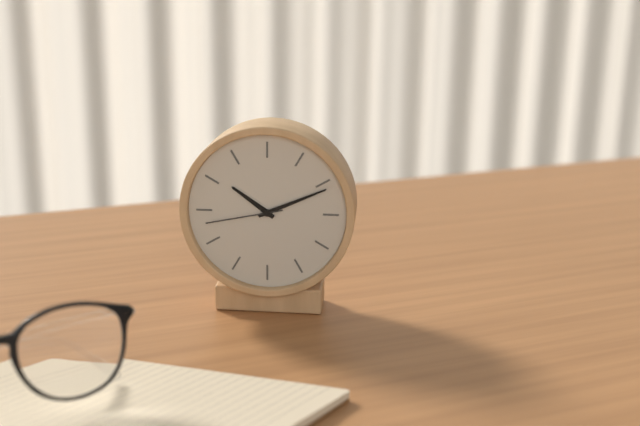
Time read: 10h11m43s
